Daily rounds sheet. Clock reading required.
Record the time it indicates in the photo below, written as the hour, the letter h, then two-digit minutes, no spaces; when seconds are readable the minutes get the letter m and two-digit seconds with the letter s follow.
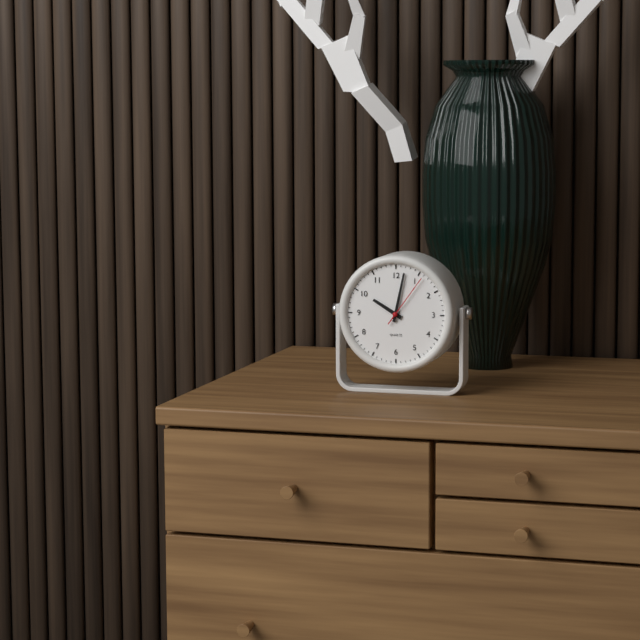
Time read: 10h02m06s
